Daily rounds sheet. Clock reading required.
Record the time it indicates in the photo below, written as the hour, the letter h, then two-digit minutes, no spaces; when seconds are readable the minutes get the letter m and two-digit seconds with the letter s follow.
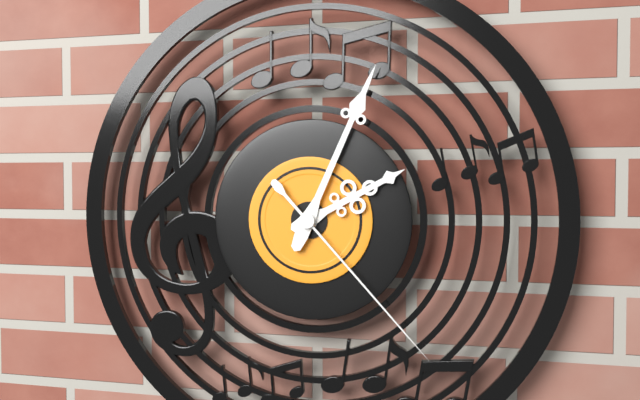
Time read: 2h04m23s
